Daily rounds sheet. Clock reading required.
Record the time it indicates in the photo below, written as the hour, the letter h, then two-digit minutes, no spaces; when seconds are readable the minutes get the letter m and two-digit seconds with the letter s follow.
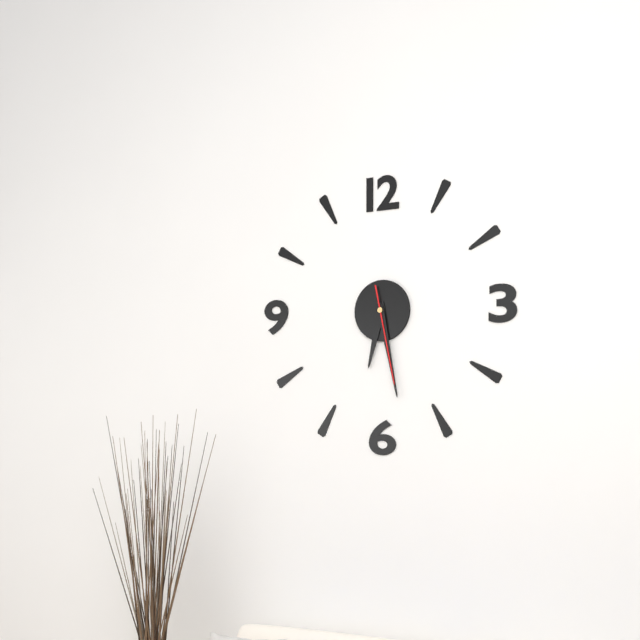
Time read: 6h28m28s
